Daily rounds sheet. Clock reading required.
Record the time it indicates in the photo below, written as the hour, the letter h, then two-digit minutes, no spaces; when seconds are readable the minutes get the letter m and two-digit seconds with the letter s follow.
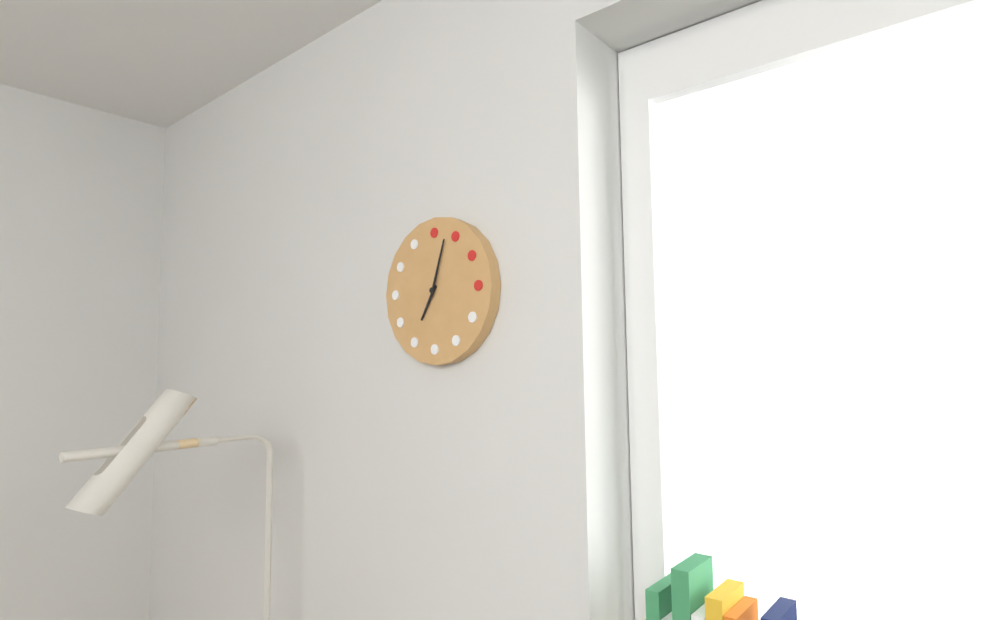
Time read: 7h03
